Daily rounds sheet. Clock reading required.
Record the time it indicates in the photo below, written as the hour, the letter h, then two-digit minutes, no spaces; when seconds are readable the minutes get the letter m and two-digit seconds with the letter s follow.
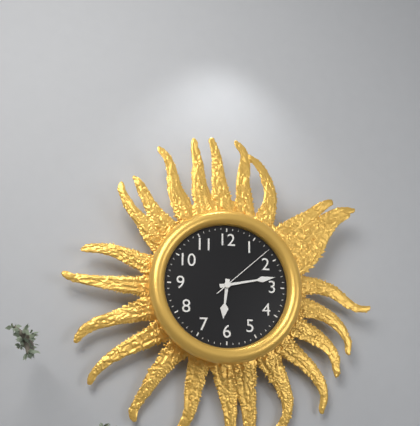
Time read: 6h13m08s
